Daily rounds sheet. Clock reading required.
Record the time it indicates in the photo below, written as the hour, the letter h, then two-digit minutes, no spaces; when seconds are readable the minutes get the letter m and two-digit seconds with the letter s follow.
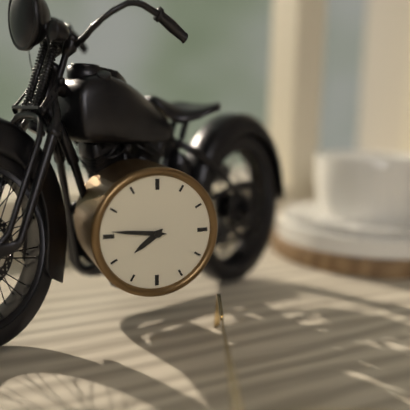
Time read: 7h46
